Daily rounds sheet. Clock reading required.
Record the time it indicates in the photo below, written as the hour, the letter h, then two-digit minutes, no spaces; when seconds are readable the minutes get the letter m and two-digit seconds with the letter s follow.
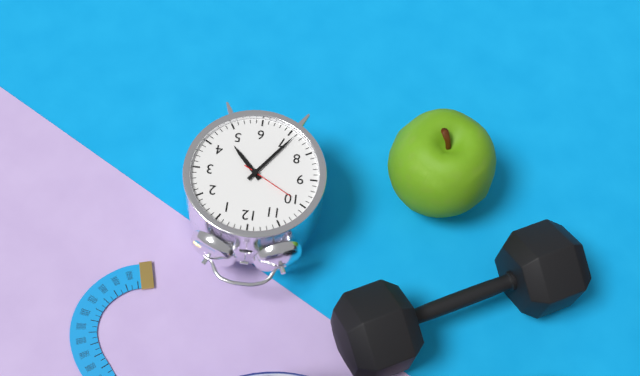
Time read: 4h36m50s
